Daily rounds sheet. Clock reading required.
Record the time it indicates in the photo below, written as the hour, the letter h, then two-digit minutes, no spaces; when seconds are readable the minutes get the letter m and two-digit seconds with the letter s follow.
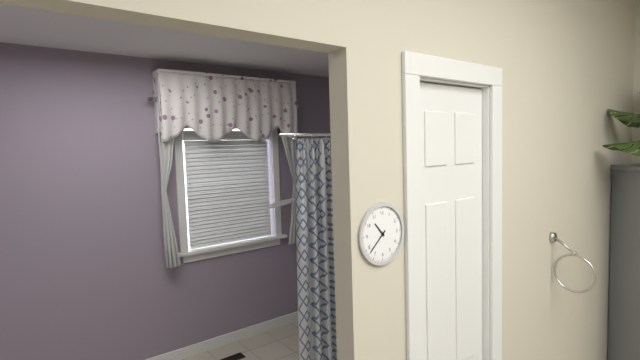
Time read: 10h38
